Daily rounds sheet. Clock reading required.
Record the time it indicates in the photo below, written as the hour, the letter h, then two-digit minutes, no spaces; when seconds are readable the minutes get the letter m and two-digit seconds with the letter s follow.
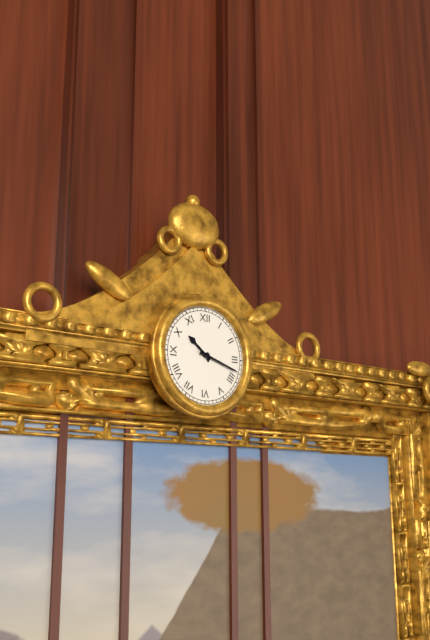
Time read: 10h18
